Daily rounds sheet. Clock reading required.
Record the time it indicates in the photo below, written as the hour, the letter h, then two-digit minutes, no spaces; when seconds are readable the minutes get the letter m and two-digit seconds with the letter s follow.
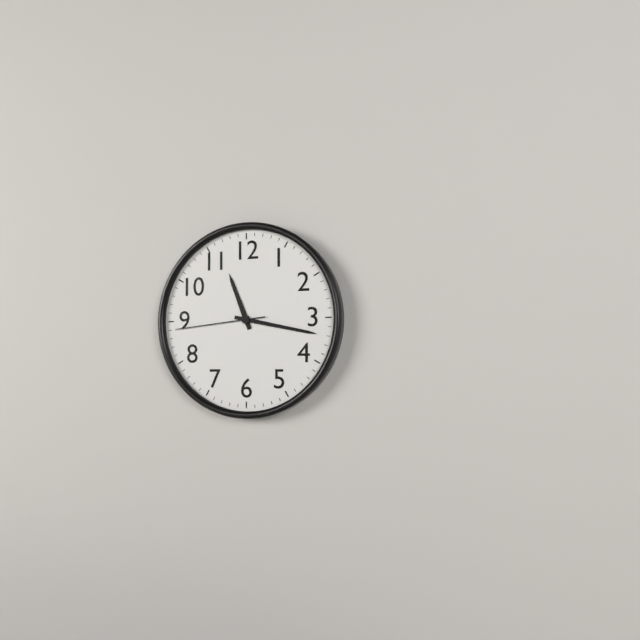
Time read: 11h17m44s
